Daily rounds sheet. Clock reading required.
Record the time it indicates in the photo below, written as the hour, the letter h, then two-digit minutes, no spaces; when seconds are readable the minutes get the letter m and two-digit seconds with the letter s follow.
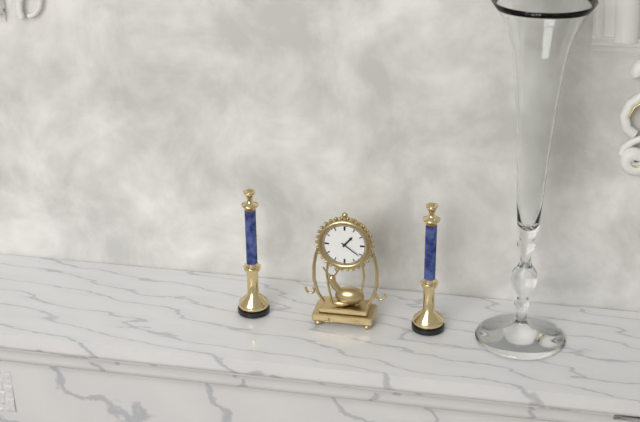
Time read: 1h21
